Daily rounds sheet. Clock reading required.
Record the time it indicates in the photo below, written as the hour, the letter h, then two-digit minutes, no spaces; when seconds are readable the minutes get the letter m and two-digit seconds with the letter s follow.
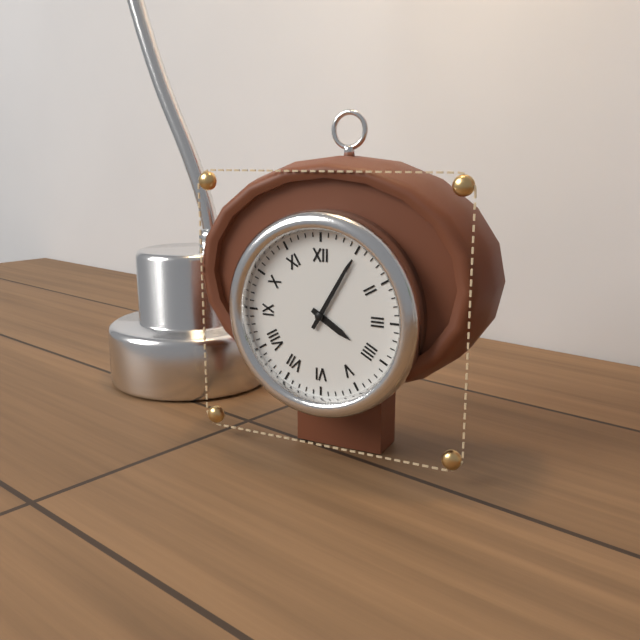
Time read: 4h05
